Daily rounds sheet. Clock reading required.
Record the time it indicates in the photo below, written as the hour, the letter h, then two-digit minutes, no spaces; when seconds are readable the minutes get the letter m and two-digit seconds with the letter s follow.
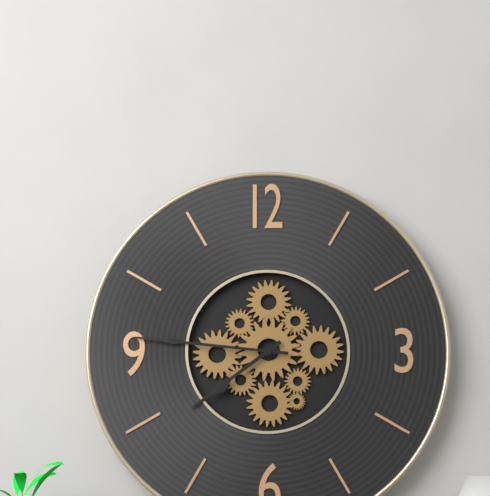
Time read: 7h46
